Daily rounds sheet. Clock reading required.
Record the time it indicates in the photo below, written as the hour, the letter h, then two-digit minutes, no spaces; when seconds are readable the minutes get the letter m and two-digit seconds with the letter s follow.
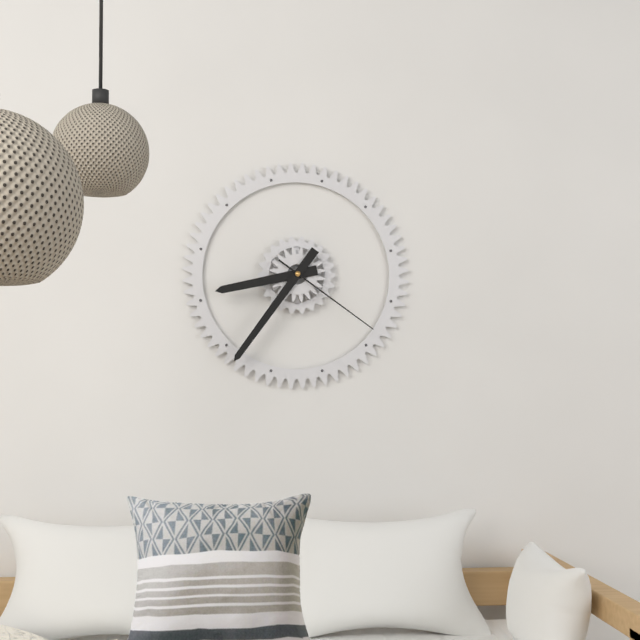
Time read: 8h36m21s
